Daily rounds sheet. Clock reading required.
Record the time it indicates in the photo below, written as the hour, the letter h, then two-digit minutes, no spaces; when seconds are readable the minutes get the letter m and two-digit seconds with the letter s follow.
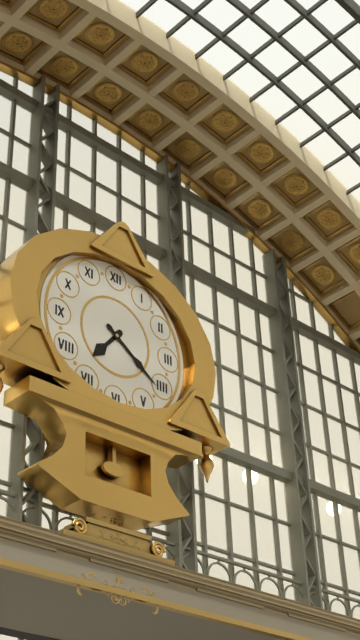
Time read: 7h21
